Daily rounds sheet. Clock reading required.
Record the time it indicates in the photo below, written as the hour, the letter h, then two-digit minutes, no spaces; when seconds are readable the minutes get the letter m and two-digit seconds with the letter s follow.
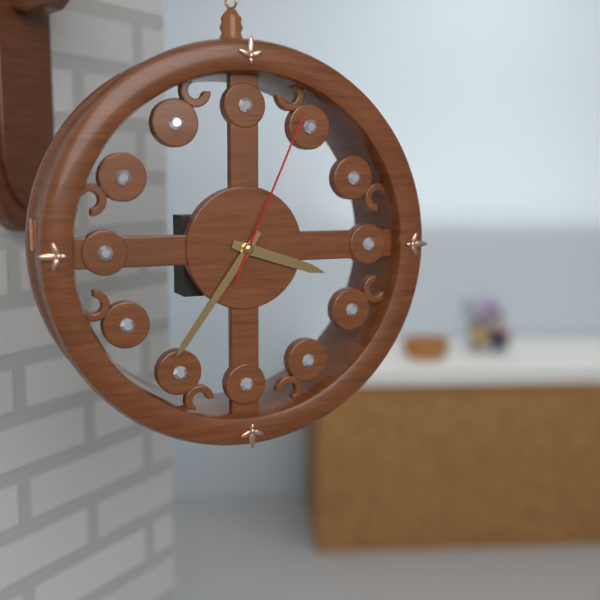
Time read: 3h36m04s
